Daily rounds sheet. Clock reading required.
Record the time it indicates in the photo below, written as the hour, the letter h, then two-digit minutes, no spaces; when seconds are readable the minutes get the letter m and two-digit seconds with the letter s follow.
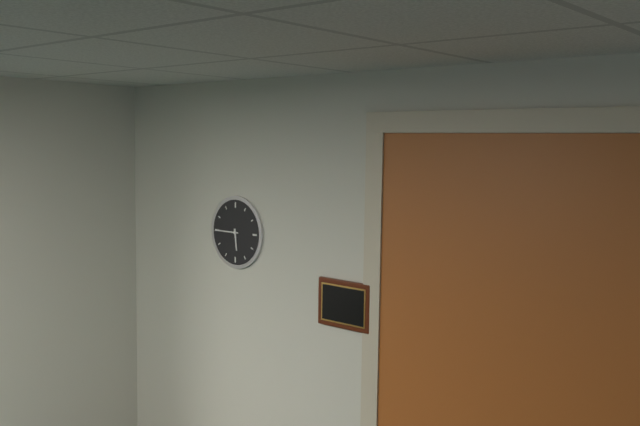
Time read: 5h45
